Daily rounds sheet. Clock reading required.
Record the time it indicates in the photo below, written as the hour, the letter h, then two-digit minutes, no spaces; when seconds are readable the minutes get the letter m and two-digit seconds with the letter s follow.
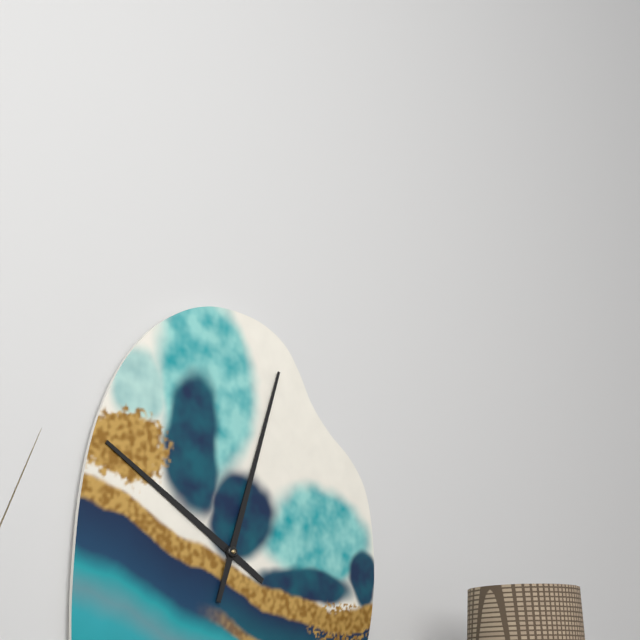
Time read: 10h03
